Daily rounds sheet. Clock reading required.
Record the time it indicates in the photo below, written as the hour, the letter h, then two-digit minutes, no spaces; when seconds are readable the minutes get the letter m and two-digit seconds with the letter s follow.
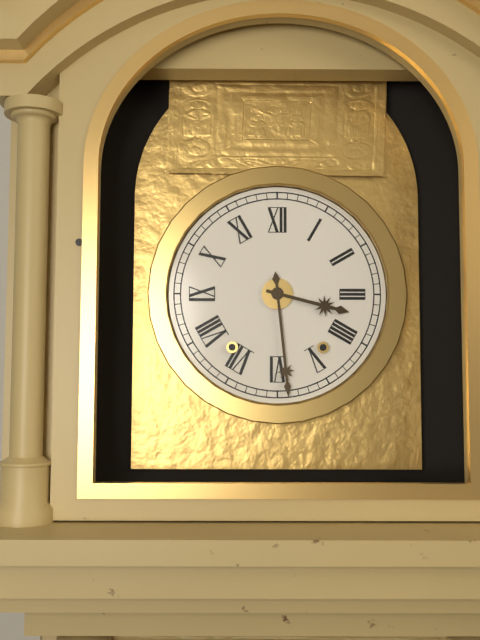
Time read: 3h29
